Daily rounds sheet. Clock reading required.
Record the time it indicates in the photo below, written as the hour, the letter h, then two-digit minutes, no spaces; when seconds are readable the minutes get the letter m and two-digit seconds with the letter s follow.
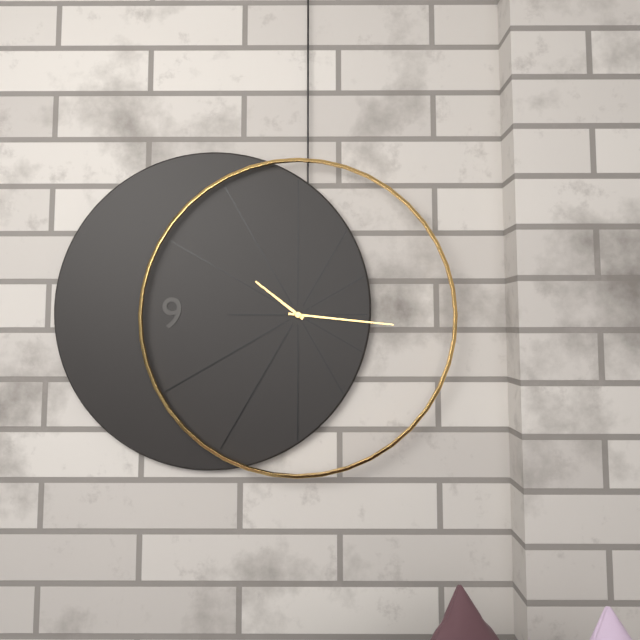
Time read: 10h16
